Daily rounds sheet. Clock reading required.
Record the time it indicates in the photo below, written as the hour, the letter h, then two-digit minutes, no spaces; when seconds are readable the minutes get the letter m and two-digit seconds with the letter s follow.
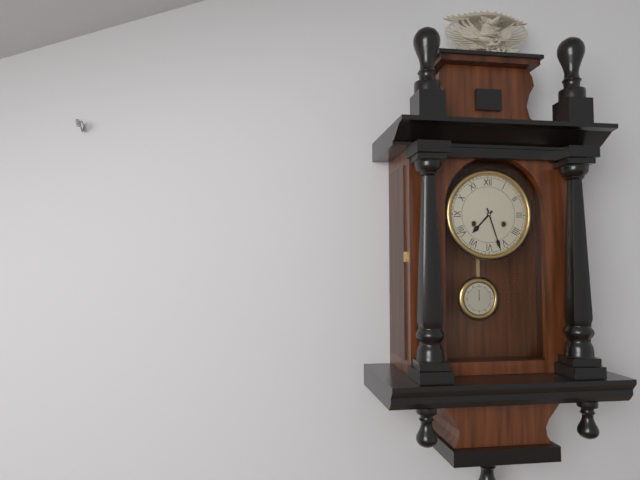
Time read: 7h27
